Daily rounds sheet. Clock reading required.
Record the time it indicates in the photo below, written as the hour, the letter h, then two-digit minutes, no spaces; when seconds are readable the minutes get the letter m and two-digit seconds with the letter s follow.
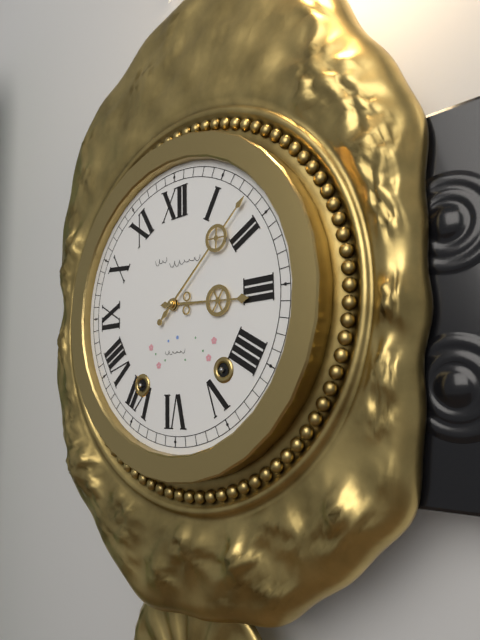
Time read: 3h08
